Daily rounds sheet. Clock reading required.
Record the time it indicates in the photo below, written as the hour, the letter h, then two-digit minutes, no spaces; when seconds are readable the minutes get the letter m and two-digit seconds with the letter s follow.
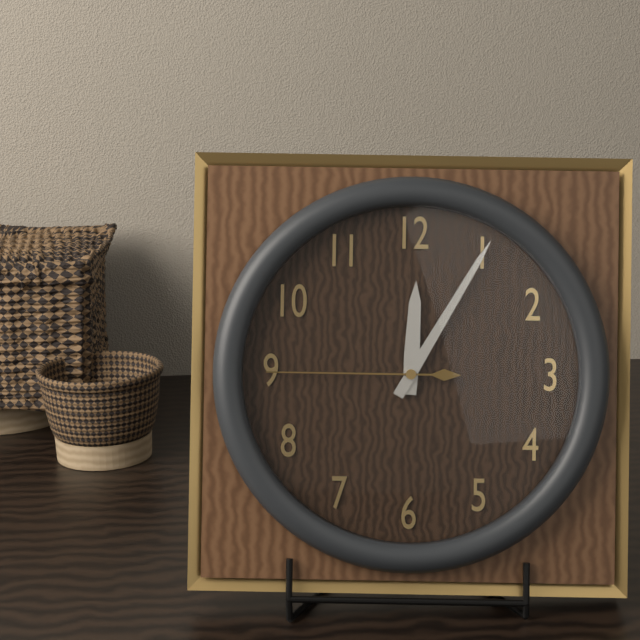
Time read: 12h05m45s
